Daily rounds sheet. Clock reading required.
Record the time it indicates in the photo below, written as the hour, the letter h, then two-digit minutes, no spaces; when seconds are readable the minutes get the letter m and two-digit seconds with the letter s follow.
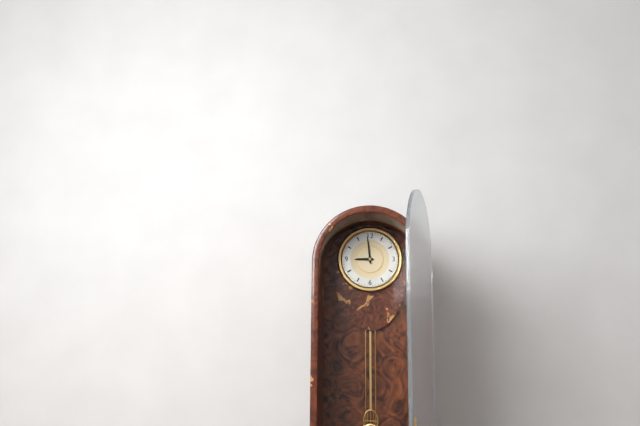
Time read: 8h59
